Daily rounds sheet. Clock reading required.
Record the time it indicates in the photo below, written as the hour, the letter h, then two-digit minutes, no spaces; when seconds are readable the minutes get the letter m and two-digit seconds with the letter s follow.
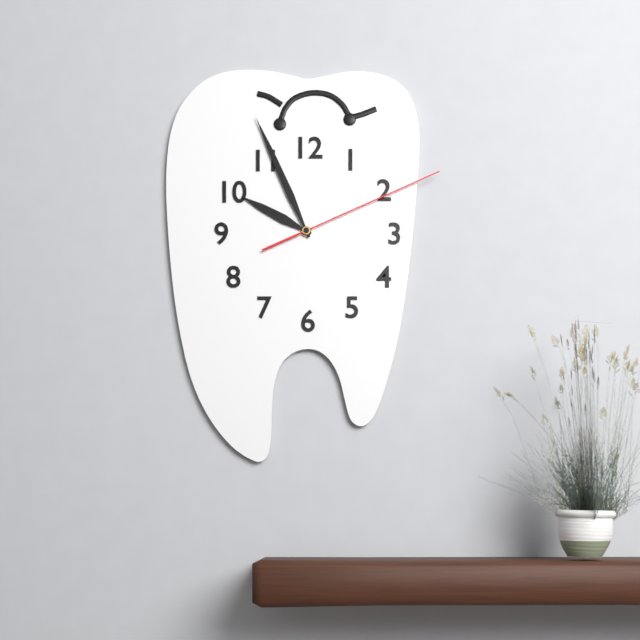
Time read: 9h56m11s
